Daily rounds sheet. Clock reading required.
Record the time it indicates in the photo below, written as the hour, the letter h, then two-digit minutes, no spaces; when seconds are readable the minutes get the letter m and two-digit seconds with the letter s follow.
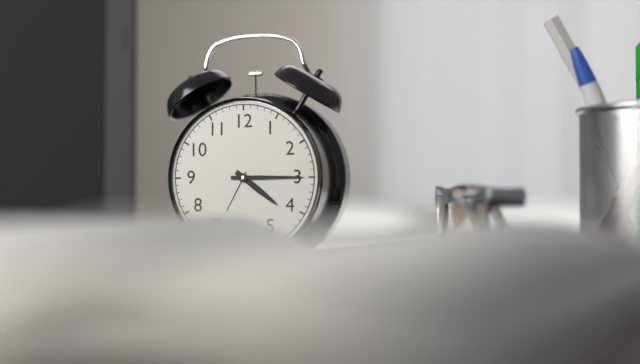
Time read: 4h15
